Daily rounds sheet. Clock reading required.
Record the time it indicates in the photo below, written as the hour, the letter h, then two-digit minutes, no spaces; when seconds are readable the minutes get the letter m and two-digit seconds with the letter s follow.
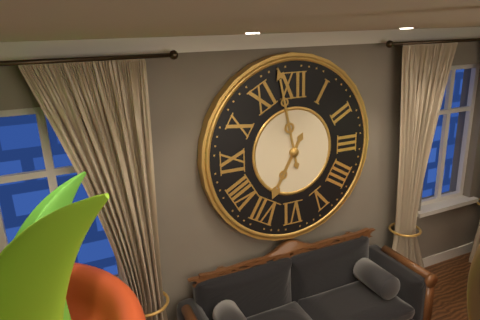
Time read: 6h58
